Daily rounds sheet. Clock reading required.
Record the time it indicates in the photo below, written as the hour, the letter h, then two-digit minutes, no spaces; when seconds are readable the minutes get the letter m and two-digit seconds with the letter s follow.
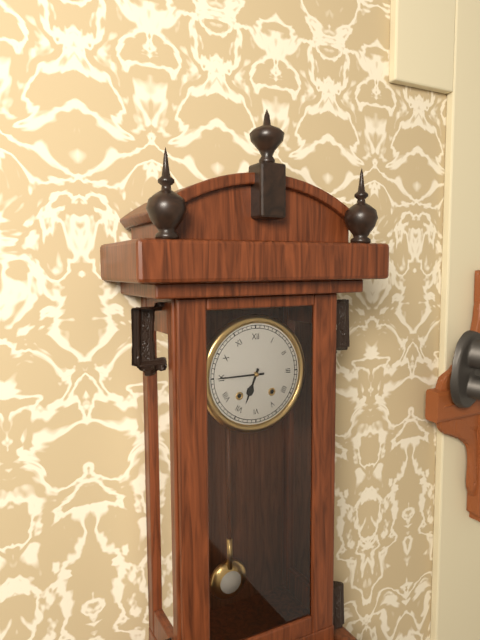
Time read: 6h45
